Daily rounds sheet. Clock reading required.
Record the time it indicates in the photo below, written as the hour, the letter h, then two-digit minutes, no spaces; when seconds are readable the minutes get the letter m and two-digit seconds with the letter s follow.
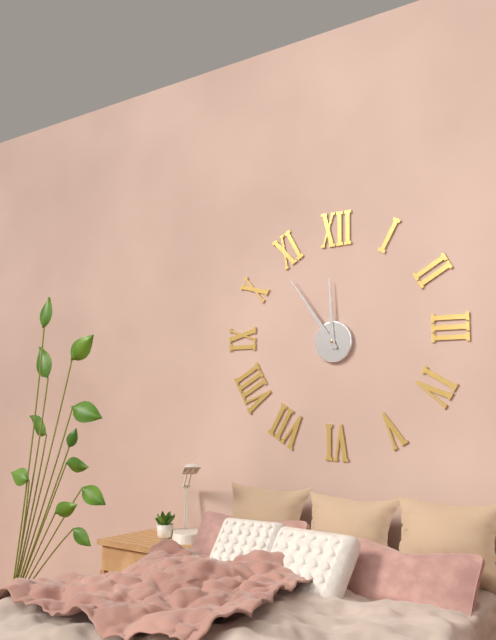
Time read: 11h54
